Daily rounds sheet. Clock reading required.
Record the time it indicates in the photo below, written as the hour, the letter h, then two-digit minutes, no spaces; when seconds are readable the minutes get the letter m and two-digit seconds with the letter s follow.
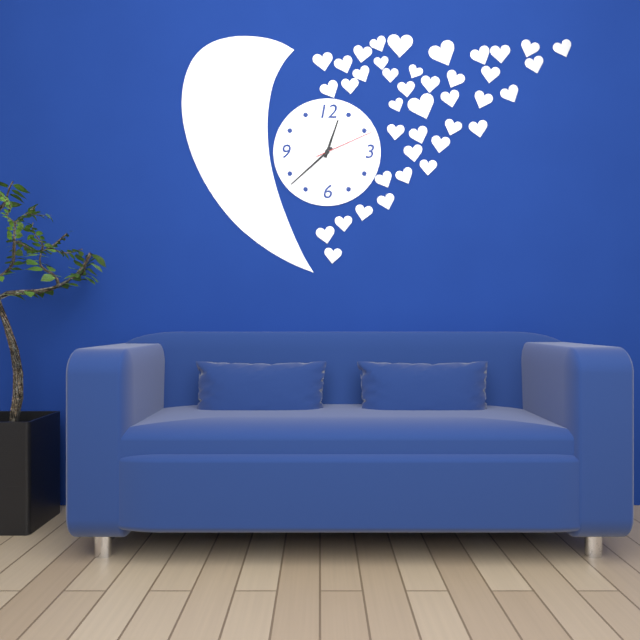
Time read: 12h38m11s
